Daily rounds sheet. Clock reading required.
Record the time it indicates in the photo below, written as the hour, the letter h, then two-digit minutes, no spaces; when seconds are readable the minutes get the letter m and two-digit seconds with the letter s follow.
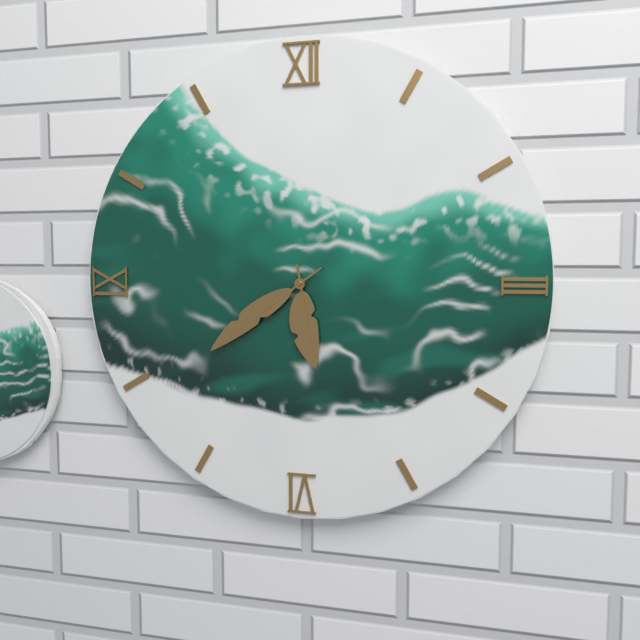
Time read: 5h39
